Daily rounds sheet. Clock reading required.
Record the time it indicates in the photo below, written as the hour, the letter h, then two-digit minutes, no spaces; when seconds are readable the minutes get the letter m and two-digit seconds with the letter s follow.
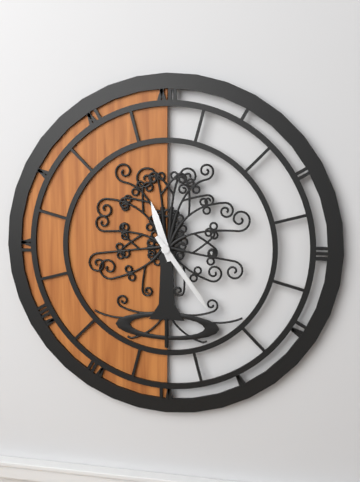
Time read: 11h24
